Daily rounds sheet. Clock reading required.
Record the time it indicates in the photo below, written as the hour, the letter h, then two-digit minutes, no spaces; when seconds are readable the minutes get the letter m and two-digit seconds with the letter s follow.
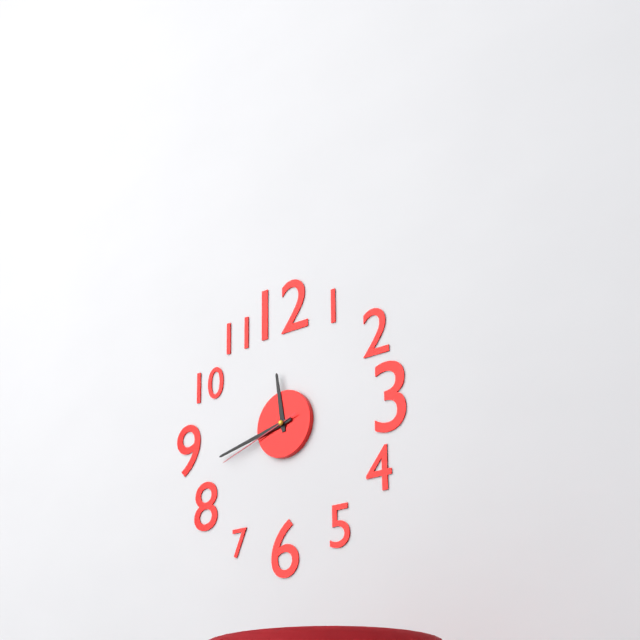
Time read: 11h43m42s
